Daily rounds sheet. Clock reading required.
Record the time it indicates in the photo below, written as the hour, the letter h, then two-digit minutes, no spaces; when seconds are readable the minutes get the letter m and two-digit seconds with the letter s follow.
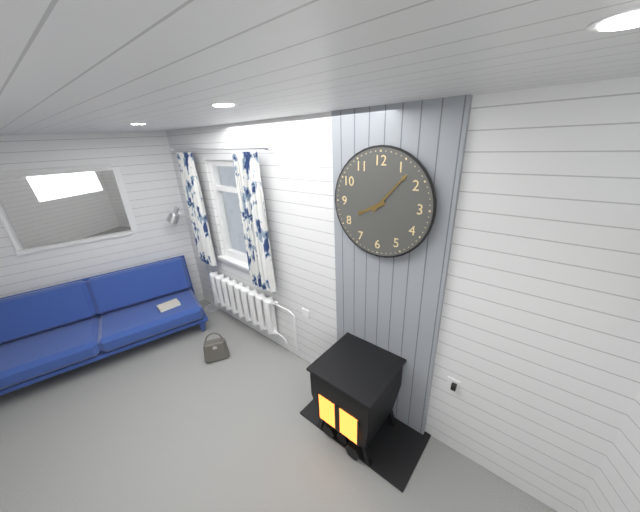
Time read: 8h07
